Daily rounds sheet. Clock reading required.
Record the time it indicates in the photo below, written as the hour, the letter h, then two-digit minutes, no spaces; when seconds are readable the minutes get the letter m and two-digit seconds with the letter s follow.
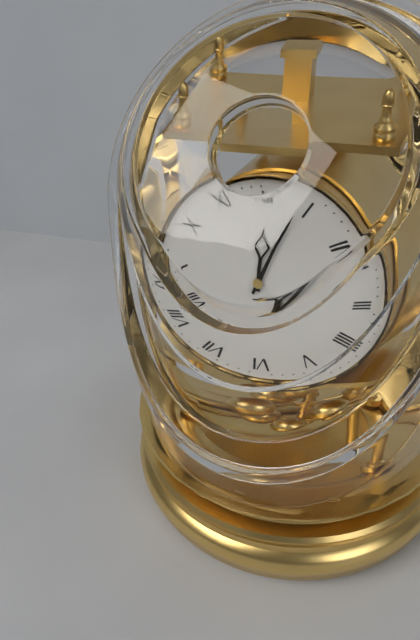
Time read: 12h04
